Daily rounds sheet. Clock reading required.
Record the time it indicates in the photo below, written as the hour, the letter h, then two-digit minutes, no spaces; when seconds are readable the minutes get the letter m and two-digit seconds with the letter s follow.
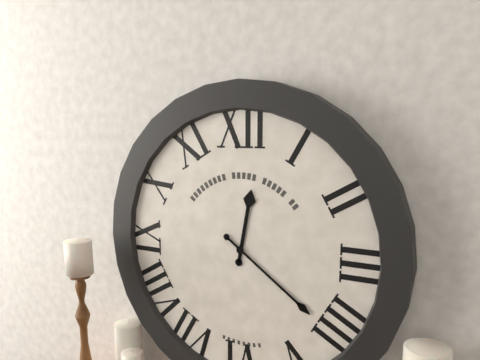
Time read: 12h21
